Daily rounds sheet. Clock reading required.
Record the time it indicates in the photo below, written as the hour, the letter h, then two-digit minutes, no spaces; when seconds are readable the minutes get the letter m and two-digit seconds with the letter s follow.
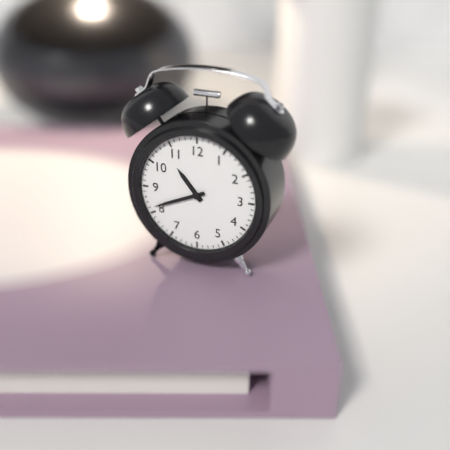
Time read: 10h41
